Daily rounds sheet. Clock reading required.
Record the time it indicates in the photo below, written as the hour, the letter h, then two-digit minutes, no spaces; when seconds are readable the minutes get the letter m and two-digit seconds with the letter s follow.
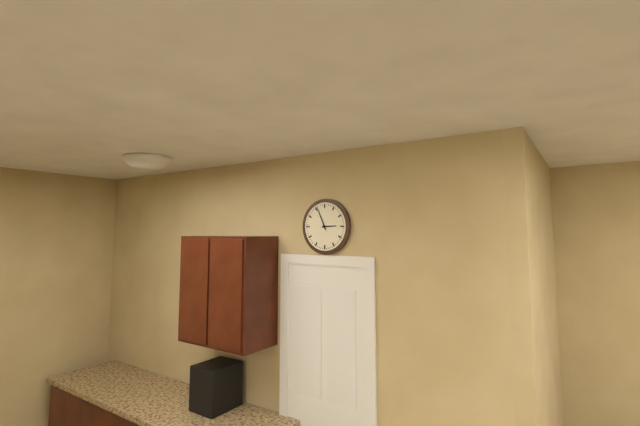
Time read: 2h56
